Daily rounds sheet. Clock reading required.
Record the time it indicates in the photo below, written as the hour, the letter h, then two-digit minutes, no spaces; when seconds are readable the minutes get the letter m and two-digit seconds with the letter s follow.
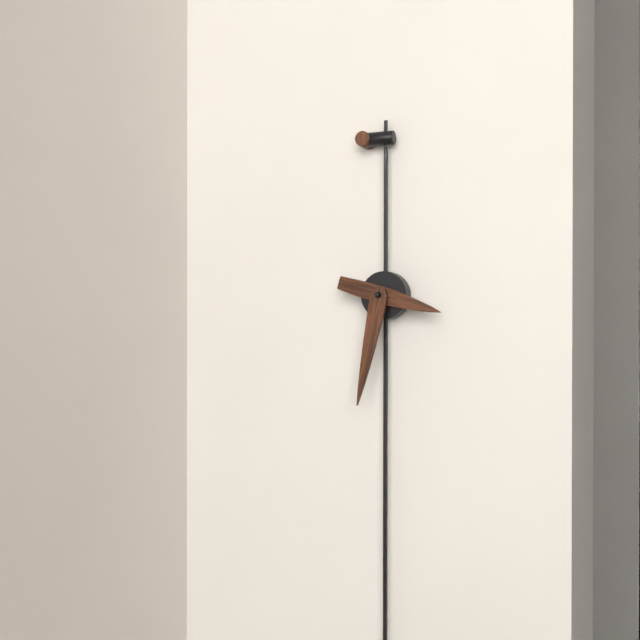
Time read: 3h32
